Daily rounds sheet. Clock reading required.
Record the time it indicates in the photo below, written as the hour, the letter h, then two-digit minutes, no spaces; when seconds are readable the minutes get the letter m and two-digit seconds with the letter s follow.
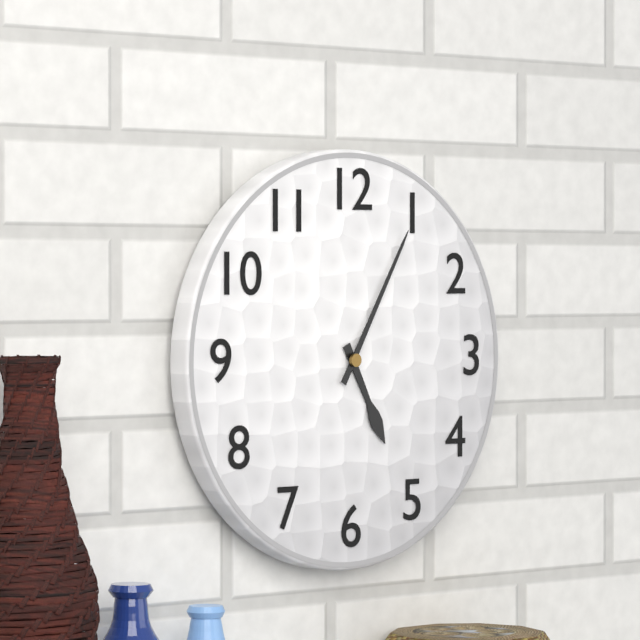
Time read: 5h05
